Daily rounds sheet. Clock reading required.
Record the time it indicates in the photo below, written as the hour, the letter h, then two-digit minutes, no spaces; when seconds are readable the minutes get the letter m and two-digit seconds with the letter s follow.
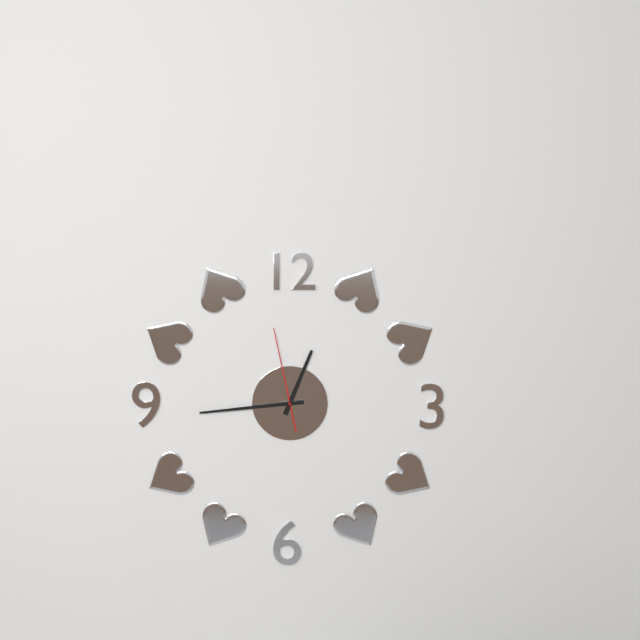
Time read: 12h44m58s
